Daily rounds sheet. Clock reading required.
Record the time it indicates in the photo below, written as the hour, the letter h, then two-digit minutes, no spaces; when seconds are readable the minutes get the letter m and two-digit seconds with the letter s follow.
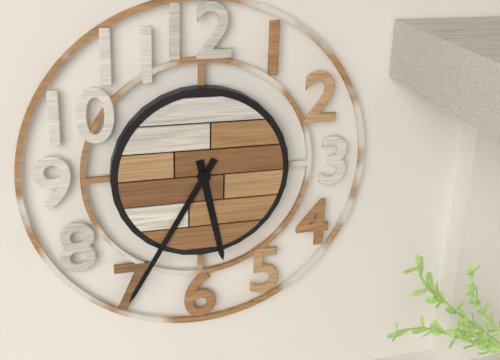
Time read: 5h35
